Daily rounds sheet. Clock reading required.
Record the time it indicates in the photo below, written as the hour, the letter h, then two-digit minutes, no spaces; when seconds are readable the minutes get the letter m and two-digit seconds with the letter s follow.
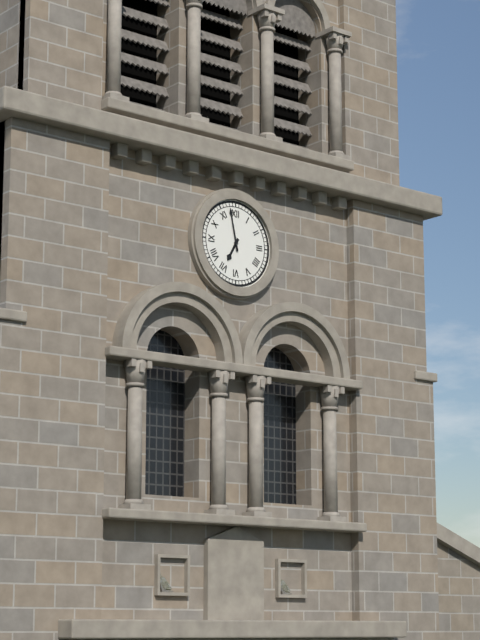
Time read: 6h58
